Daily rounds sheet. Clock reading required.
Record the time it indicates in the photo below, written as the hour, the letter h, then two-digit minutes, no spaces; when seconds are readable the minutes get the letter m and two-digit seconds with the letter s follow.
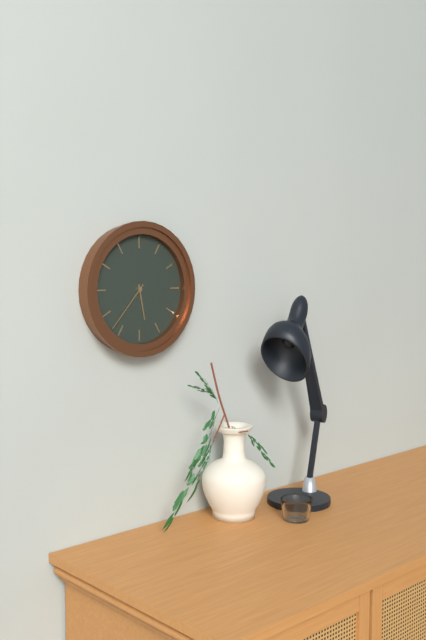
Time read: 5h37
